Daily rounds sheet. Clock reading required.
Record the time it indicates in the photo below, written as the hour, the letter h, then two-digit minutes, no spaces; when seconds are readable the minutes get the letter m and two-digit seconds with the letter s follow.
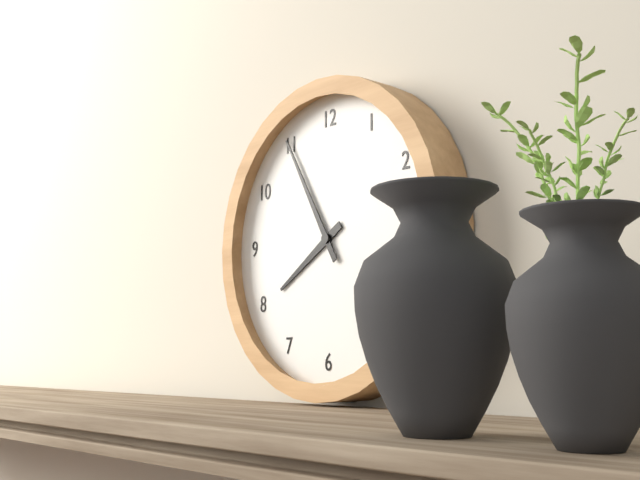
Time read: 7h55
